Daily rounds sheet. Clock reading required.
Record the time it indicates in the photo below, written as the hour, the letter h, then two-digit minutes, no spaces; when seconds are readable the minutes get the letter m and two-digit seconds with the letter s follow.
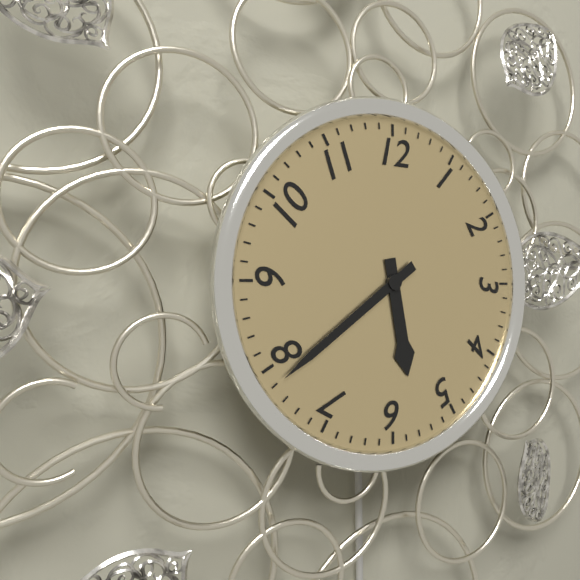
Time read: 5h39
